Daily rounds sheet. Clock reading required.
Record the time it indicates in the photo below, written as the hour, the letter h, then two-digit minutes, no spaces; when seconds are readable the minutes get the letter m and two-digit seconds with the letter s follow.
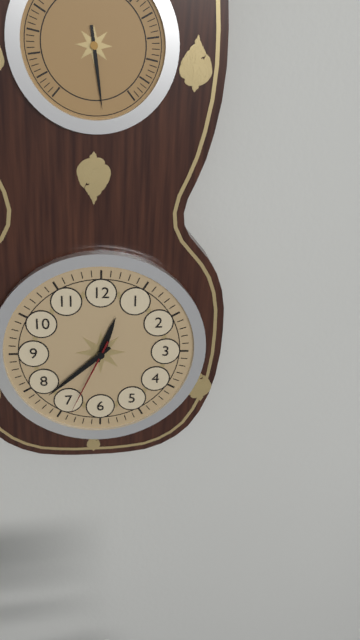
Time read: 12h38m34s
